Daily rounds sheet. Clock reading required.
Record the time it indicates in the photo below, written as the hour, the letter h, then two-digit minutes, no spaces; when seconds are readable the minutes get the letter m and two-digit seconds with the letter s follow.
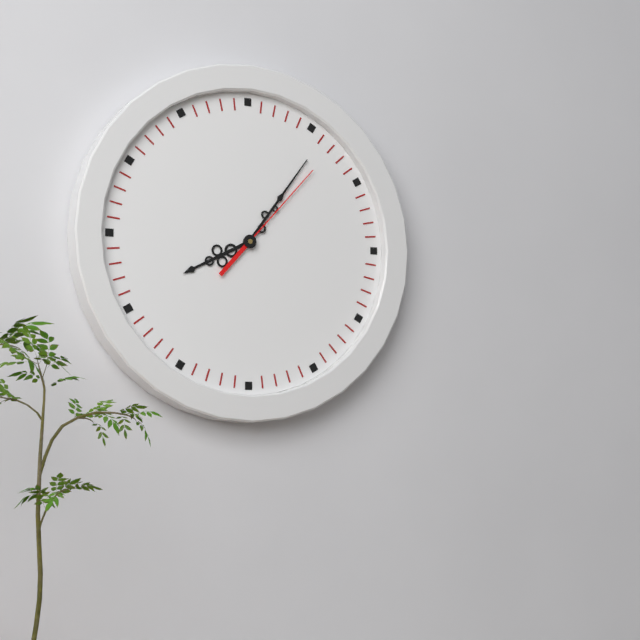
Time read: 8h06m07s
